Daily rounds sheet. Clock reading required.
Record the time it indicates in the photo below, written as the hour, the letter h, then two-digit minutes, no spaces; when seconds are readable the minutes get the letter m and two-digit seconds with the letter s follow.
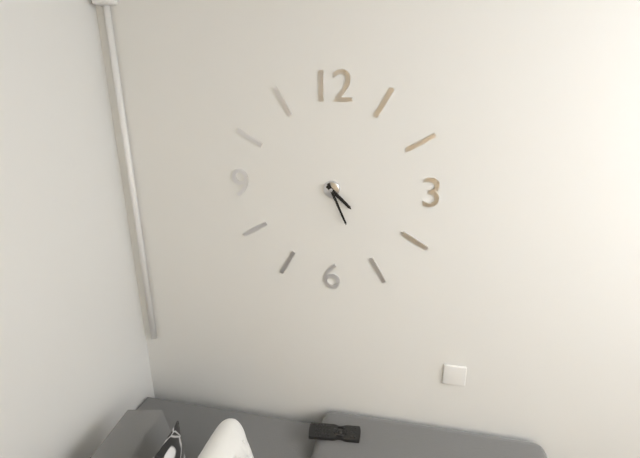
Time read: 4h26
